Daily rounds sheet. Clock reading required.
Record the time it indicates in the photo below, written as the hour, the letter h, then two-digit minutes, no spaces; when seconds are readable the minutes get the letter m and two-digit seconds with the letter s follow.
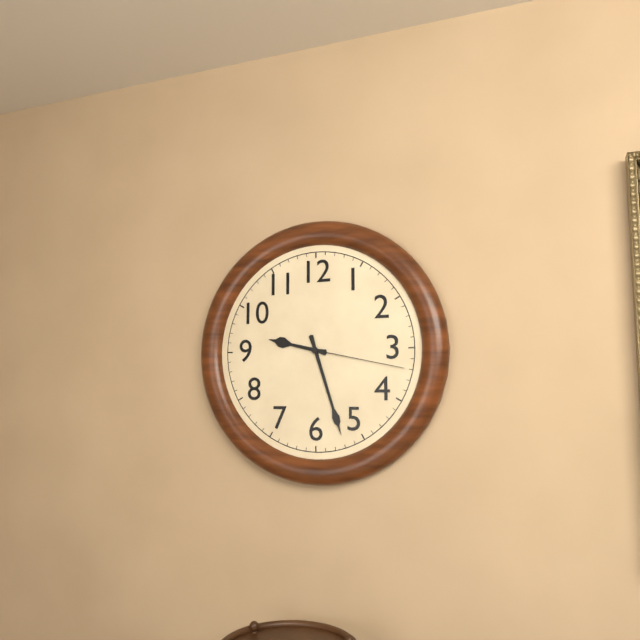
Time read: 9h27m17s
